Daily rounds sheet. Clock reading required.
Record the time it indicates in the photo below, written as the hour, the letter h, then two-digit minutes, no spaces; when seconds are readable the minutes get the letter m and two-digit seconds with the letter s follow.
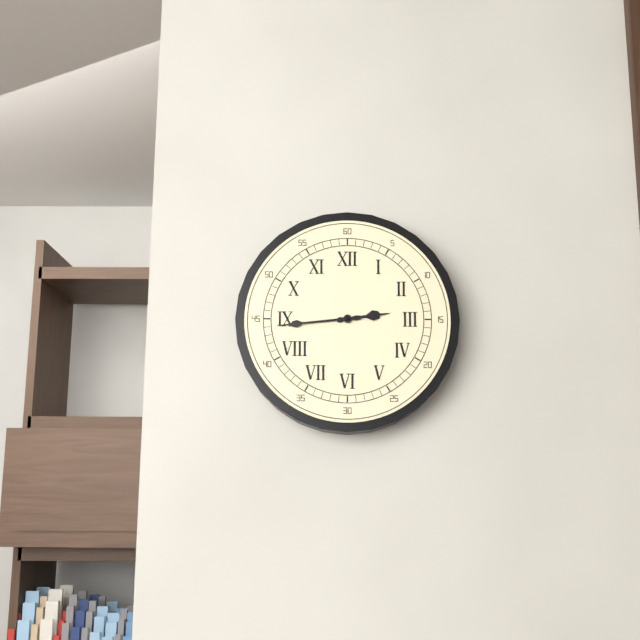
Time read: 2h44
